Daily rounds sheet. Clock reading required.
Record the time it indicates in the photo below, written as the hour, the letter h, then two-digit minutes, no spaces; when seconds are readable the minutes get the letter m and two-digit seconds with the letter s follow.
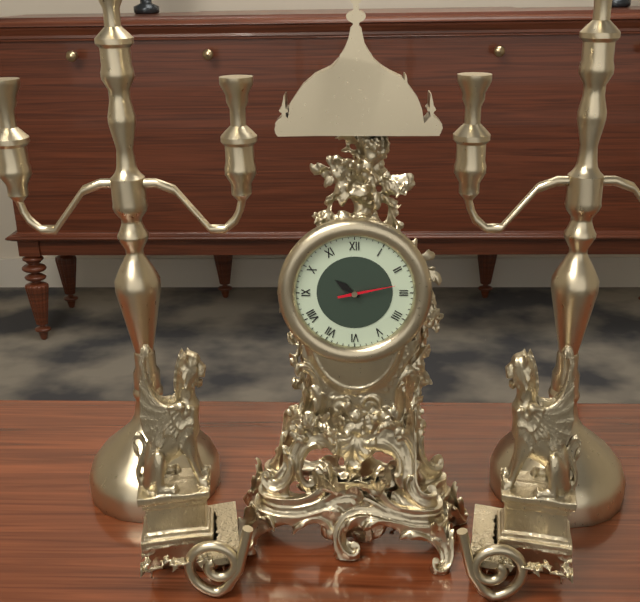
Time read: 10h13
